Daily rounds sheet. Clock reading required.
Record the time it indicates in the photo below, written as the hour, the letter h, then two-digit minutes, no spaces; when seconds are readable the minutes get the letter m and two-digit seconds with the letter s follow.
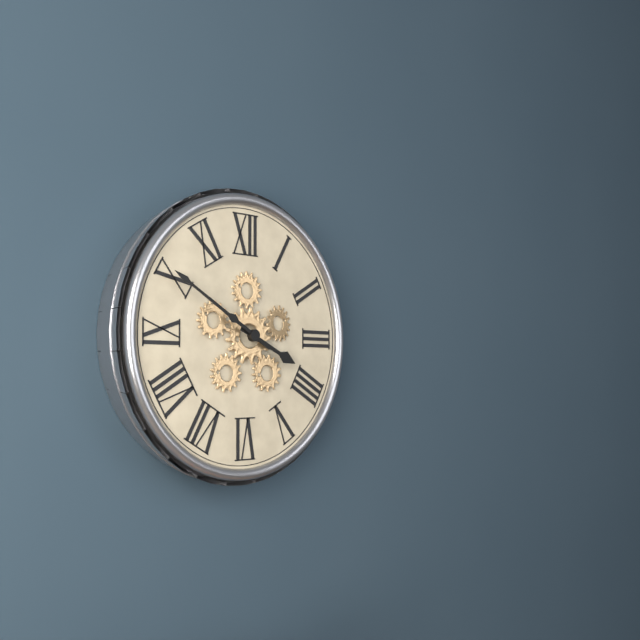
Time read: 3h50
